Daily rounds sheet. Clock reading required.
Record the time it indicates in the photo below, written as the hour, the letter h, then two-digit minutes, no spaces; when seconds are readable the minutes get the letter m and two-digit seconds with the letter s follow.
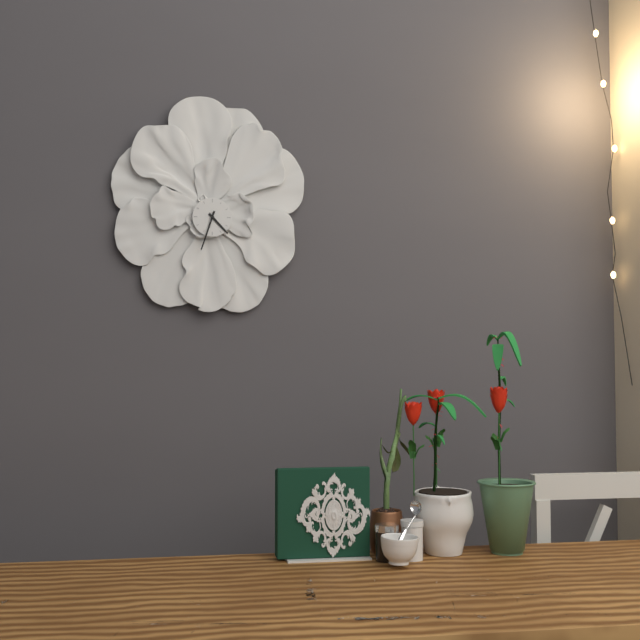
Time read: 4h33
